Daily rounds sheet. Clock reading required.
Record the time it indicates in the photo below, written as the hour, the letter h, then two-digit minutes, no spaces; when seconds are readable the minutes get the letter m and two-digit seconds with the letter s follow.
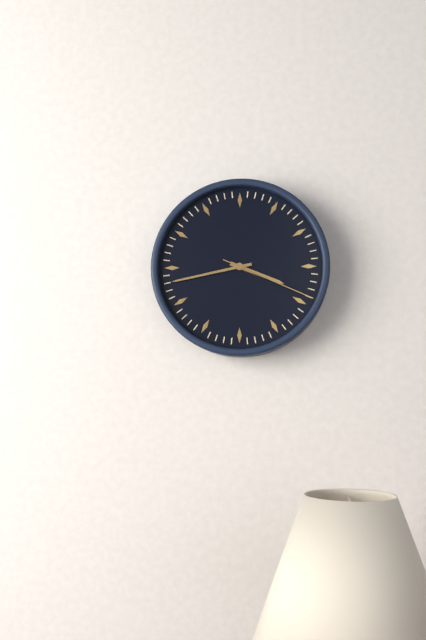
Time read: 3h43m19s
